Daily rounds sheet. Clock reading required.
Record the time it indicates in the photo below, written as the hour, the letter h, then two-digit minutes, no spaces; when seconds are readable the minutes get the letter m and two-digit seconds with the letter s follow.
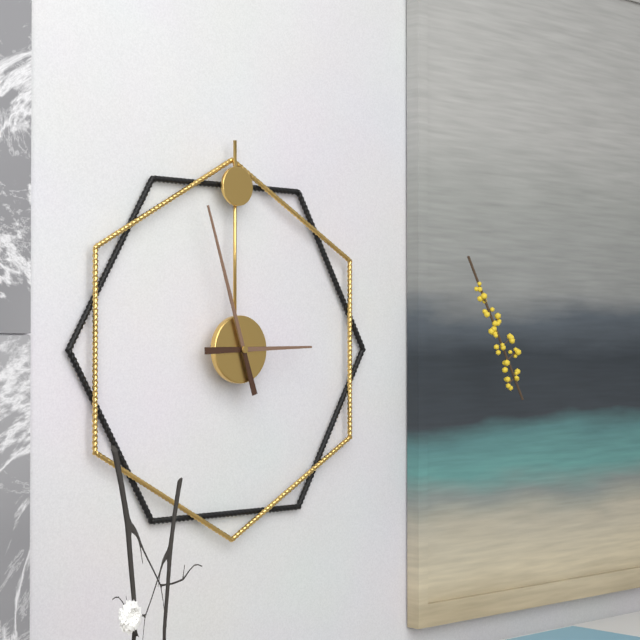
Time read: 2h57
